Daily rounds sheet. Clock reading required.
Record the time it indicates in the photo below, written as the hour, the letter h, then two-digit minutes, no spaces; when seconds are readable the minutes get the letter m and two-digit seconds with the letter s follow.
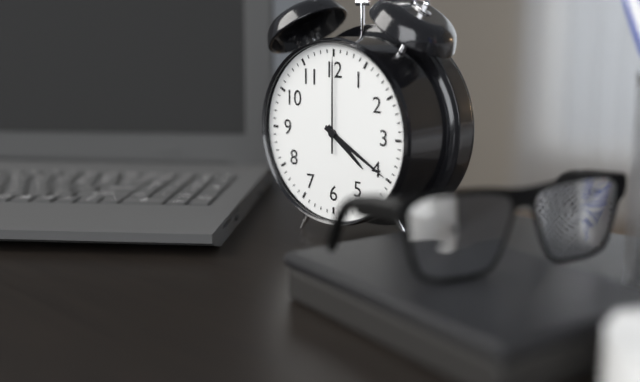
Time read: 4h20m00s
